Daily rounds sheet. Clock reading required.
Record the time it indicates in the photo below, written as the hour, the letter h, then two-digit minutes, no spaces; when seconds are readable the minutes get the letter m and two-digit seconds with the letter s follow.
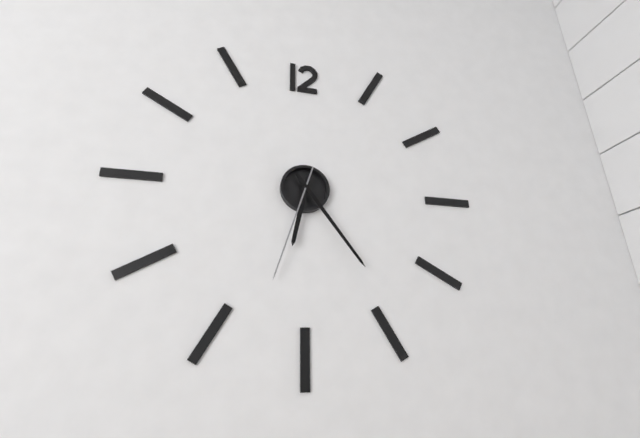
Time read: 6h24m33s
